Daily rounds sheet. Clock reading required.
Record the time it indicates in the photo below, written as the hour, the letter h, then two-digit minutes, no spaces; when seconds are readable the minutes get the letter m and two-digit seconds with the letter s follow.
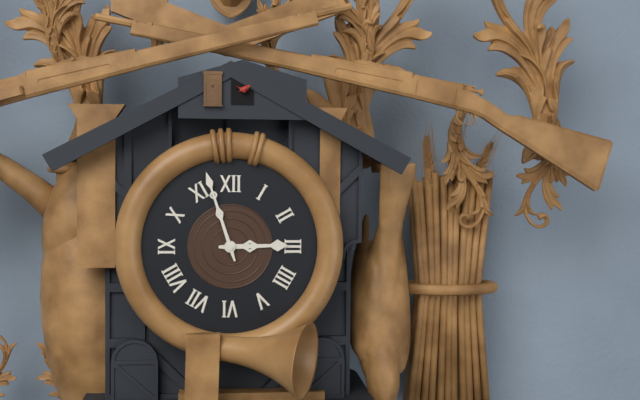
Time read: 2h57
